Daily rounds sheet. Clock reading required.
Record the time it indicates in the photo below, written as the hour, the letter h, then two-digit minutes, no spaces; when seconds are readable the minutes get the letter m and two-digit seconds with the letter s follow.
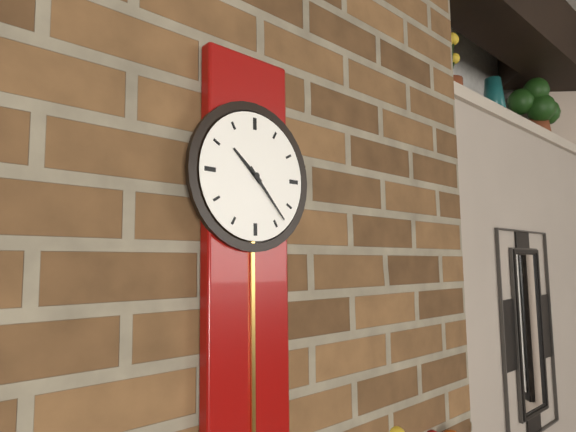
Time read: 10h23
